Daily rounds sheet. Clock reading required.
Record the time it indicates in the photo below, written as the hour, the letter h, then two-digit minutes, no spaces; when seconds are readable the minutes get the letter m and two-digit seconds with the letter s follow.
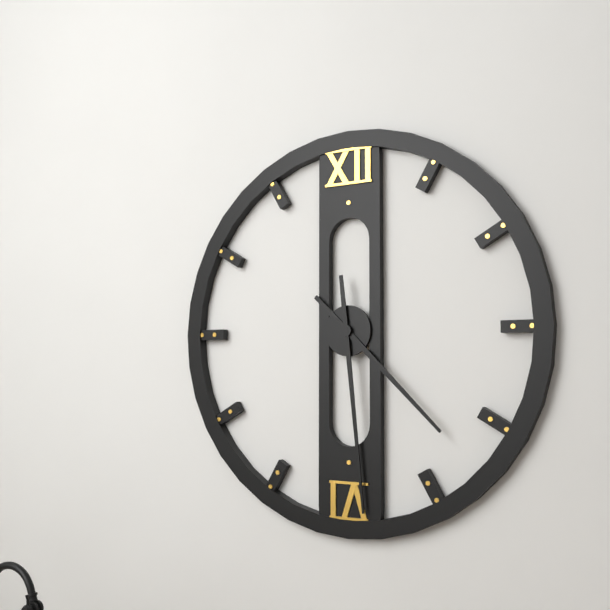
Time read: 4h29
